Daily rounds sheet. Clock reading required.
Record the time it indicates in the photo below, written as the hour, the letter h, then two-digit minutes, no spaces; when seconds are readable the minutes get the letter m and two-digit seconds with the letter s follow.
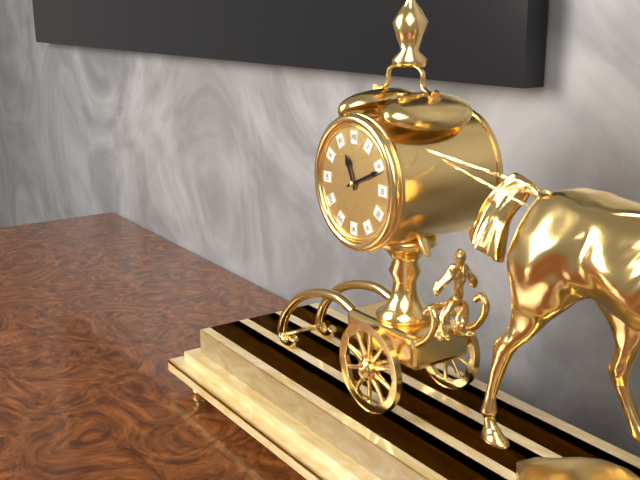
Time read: 11h11
